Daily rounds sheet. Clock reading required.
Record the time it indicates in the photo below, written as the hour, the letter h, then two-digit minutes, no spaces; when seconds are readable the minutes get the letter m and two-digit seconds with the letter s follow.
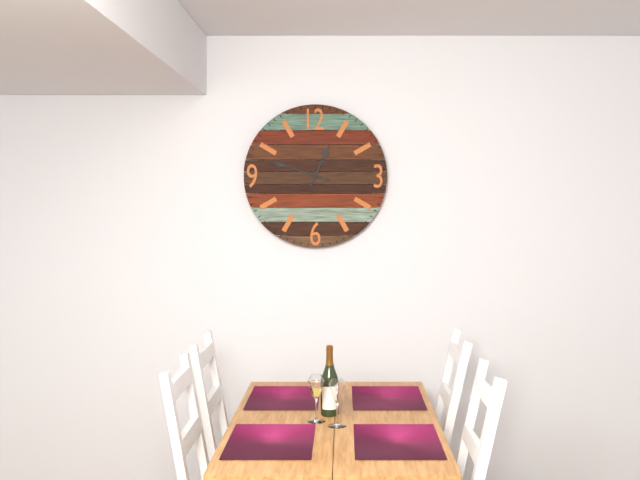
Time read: 12h48
